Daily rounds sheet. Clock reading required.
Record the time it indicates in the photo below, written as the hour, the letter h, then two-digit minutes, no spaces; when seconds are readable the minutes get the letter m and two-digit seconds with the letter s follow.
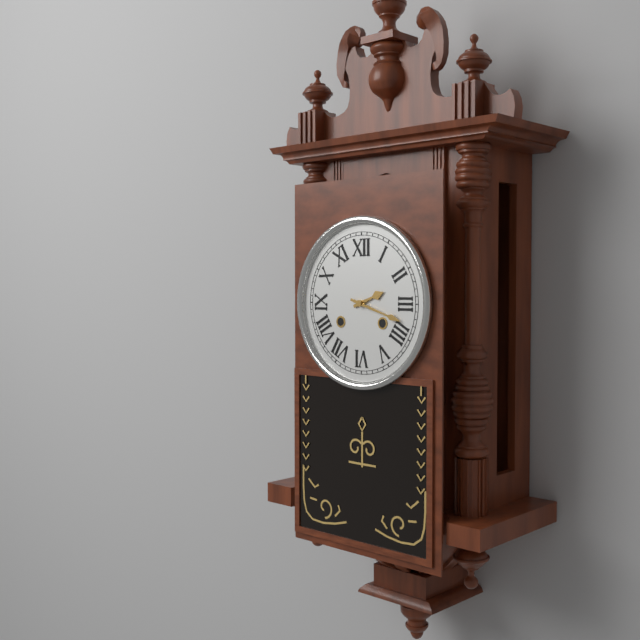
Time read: 2h18
